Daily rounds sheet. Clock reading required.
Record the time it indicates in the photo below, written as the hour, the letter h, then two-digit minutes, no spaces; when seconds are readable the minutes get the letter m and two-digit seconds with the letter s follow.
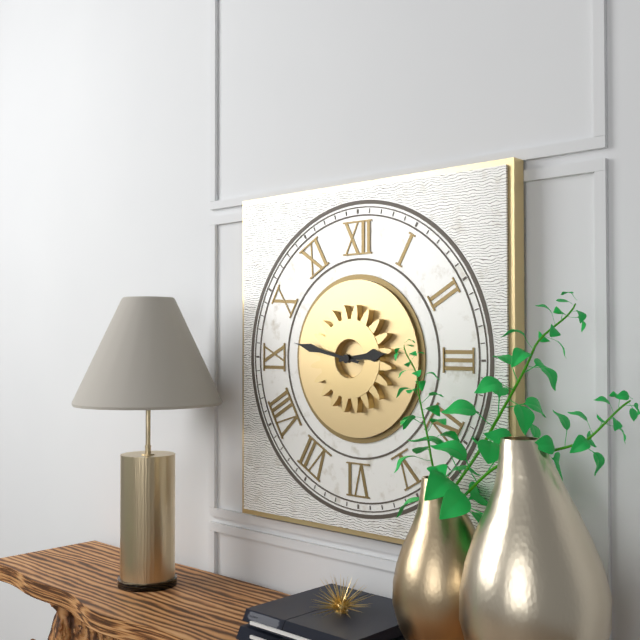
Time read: 2h47
